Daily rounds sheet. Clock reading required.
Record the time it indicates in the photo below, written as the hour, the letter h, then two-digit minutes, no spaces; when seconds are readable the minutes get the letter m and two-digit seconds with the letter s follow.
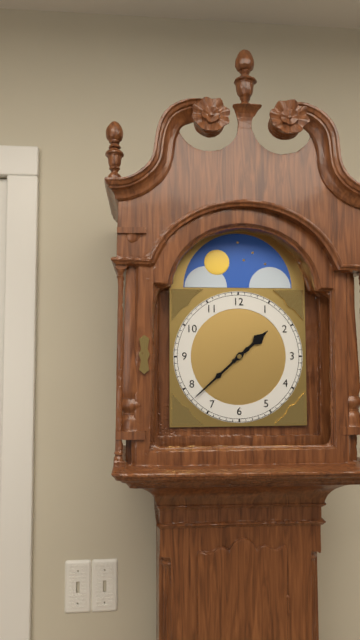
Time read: 1h38
